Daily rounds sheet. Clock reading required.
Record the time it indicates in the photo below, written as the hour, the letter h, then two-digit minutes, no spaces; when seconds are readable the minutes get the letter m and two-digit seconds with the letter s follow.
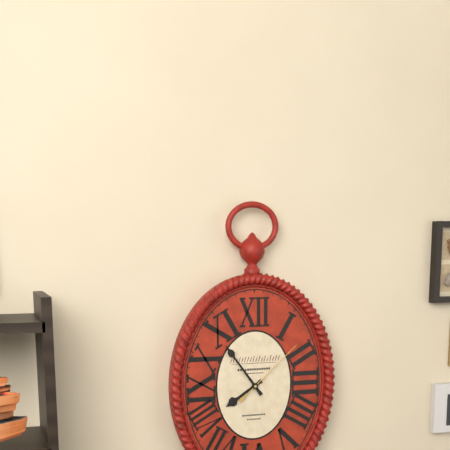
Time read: 7h54m08s
